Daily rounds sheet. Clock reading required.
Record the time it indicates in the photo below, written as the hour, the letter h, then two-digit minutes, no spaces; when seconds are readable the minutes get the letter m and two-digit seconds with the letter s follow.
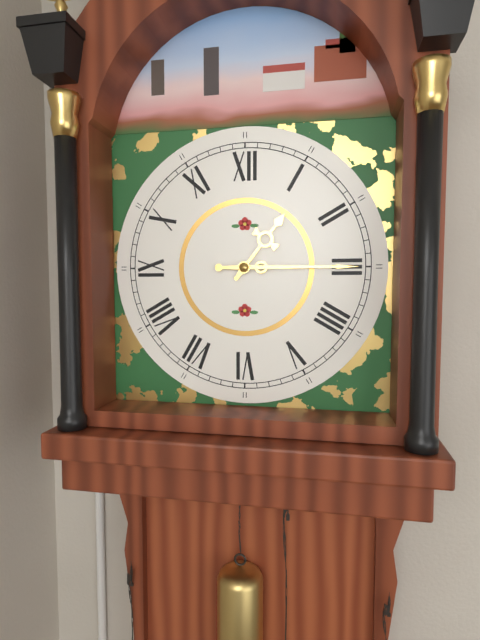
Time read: 1h15
